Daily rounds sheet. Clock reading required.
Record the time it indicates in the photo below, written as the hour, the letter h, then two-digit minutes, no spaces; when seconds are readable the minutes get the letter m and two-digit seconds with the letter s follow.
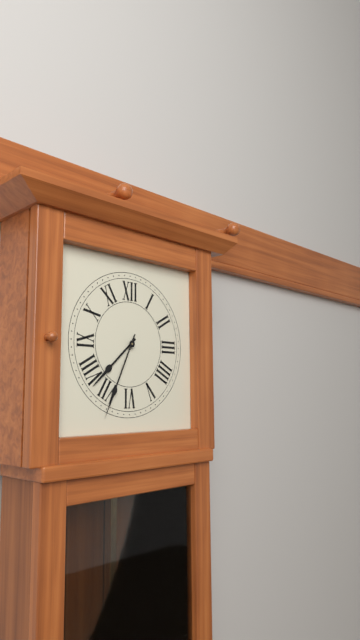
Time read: 7h34
